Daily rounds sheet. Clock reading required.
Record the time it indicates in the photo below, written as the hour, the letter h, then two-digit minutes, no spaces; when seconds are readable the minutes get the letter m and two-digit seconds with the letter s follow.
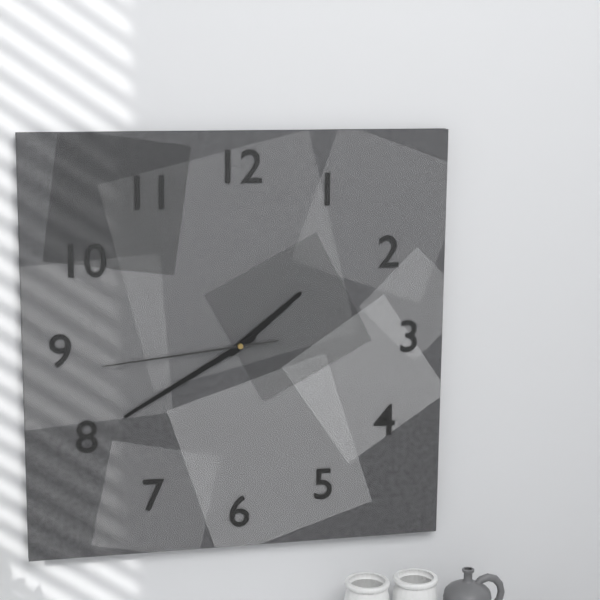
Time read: 1h40m44s
